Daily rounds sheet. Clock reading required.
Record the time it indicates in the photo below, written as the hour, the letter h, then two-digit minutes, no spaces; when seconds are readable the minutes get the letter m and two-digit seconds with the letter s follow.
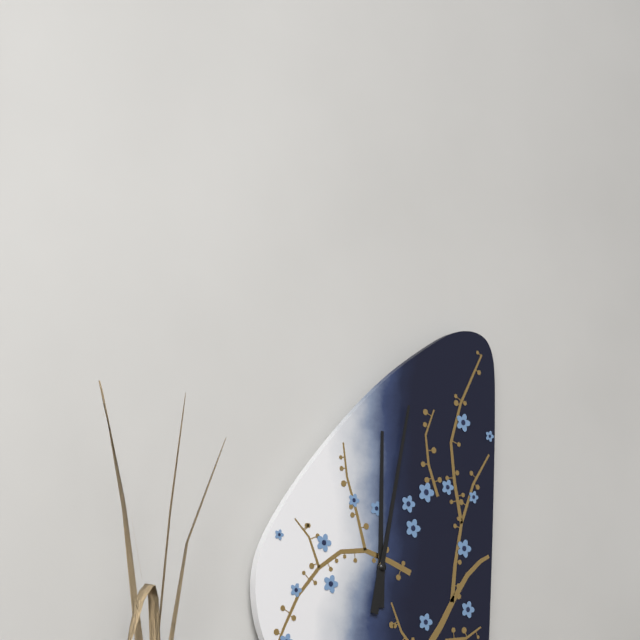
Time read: 12h02
